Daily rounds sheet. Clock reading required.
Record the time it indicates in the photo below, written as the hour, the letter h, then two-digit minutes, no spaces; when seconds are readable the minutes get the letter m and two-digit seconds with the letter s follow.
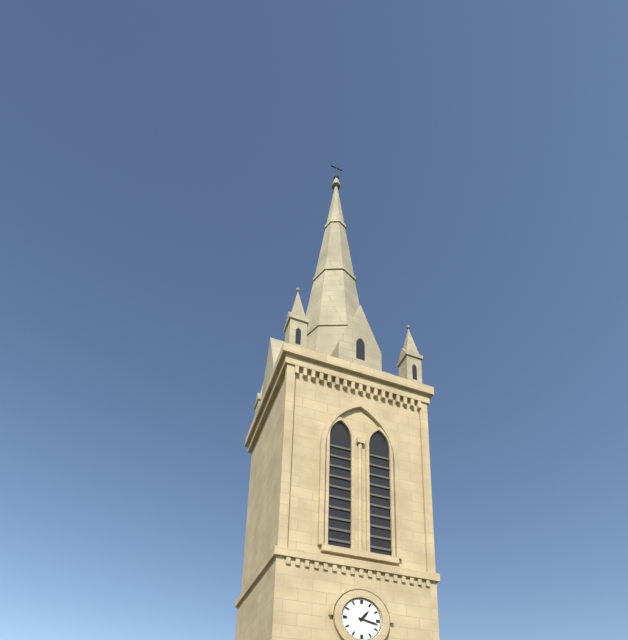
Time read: 1h17
